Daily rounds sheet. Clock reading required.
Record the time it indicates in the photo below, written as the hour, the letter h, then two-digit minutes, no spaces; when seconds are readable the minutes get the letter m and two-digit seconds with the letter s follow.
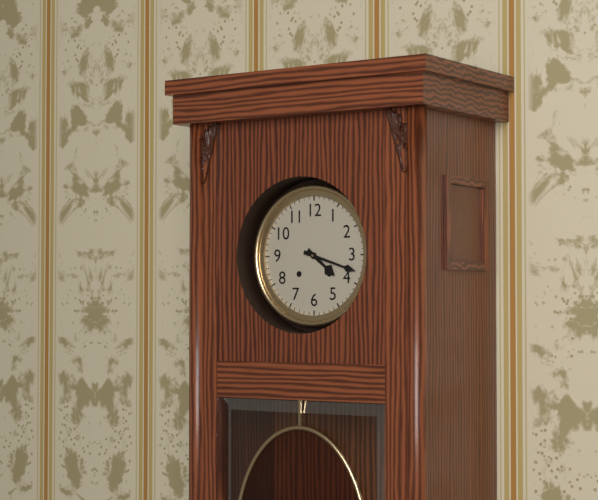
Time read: 4h18
